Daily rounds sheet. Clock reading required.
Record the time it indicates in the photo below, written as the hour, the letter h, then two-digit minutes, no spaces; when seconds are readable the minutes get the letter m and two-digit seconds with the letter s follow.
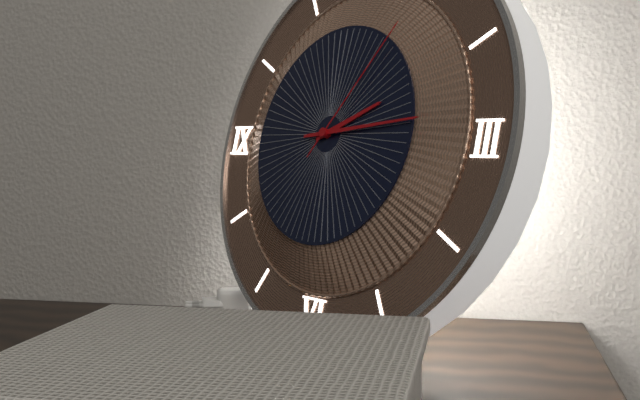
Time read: 2h14m06s
